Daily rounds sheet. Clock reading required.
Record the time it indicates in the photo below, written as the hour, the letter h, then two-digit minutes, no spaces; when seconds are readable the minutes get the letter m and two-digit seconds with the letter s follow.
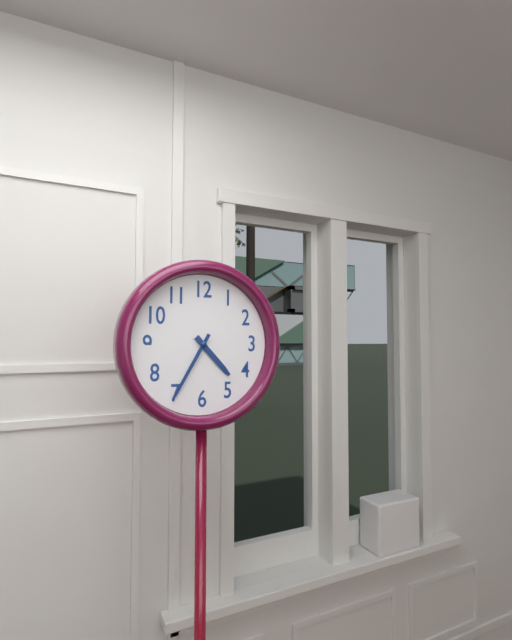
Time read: 4h35
